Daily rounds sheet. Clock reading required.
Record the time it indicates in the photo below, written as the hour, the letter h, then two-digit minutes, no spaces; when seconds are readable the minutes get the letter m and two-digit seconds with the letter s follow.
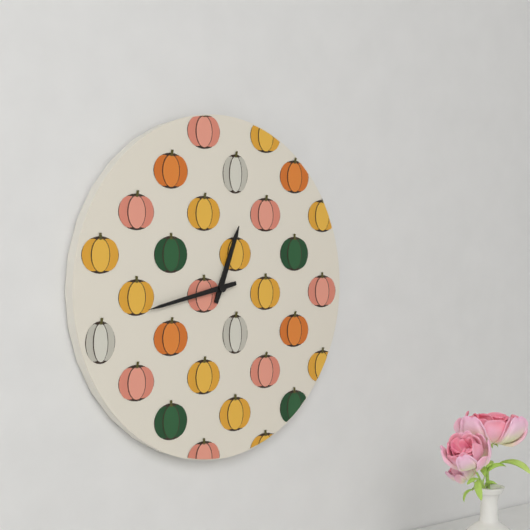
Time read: 12h43
